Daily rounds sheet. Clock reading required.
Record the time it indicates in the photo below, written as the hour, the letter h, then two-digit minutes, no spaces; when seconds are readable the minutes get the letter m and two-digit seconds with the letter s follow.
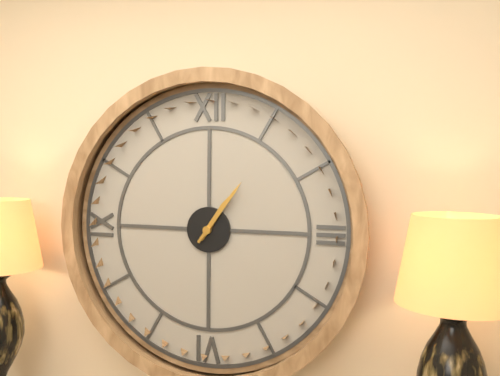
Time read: 1h06
